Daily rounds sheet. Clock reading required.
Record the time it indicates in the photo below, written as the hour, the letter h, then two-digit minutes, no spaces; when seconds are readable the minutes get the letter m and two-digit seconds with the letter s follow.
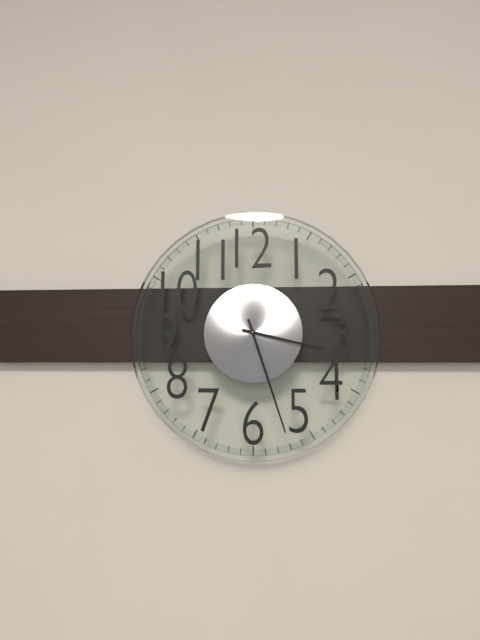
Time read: 3h27
